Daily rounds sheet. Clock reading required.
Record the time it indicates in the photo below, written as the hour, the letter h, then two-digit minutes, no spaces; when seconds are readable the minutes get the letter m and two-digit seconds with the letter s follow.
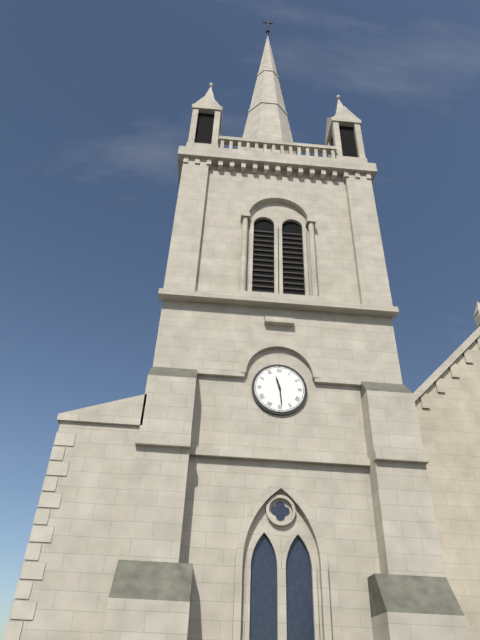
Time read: 11h29
